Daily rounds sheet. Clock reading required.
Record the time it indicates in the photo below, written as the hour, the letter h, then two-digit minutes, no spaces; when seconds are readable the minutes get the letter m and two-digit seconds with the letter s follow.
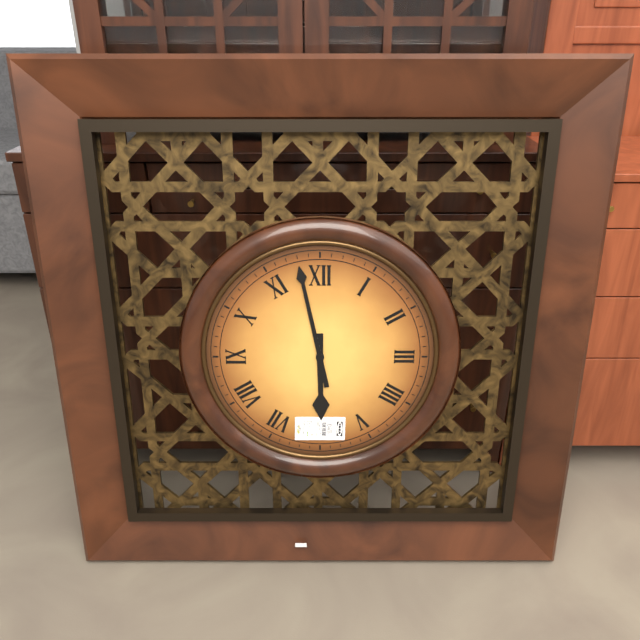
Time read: 5h58
